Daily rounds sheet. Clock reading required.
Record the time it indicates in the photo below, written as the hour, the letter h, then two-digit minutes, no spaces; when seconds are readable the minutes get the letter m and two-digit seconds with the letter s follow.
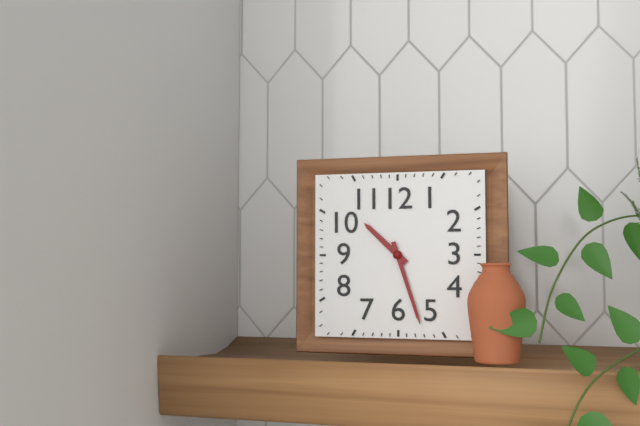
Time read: 10h27
